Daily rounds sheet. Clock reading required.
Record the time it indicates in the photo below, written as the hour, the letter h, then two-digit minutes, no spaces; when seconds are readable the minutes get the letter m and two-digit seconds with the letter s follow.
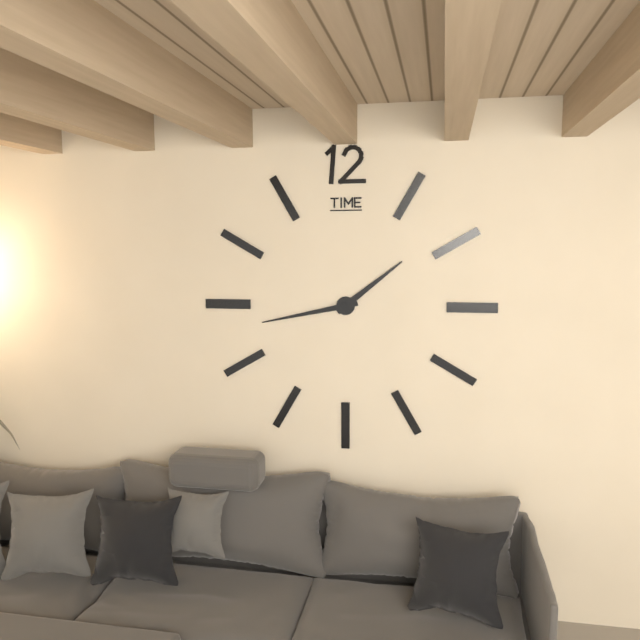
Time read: 1h43
